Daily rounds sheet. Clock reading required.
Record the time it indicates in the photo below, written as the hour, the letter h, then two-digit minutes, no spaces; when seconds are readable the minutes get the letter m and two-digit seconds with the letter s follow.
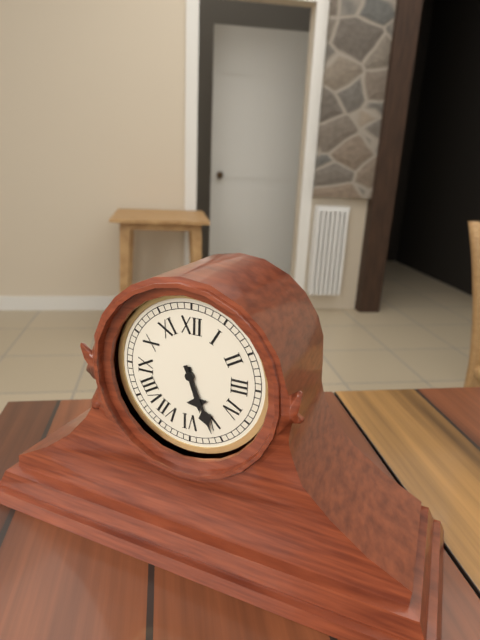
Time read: 5h26
